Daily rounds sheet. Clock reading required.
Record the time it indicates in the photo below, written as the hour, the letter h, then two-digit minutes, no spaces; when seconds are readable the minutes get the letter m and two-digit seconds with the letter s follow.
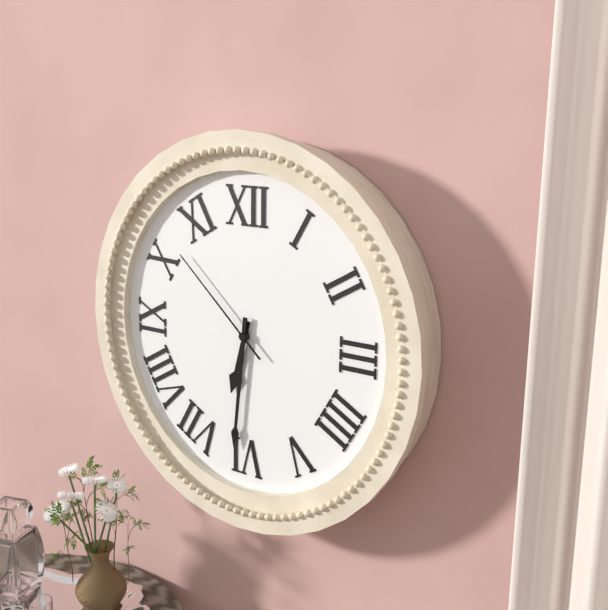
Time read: 6h31m52s
